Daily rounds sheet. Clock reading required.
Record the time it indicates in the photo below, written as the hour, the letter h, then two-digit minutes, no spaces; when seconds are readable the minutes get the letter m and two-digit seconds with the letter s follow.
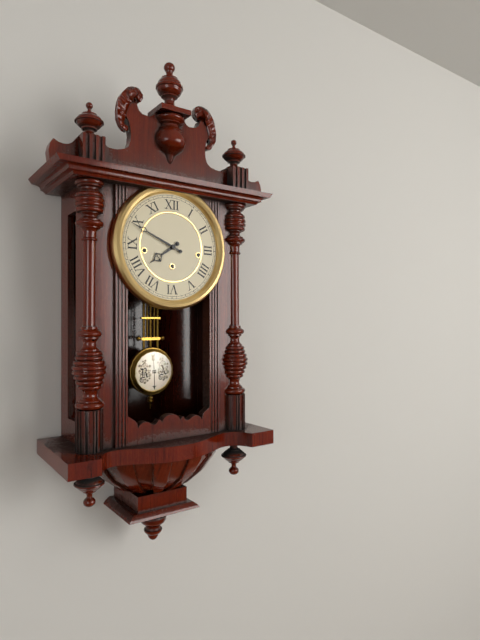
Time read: 7h49
